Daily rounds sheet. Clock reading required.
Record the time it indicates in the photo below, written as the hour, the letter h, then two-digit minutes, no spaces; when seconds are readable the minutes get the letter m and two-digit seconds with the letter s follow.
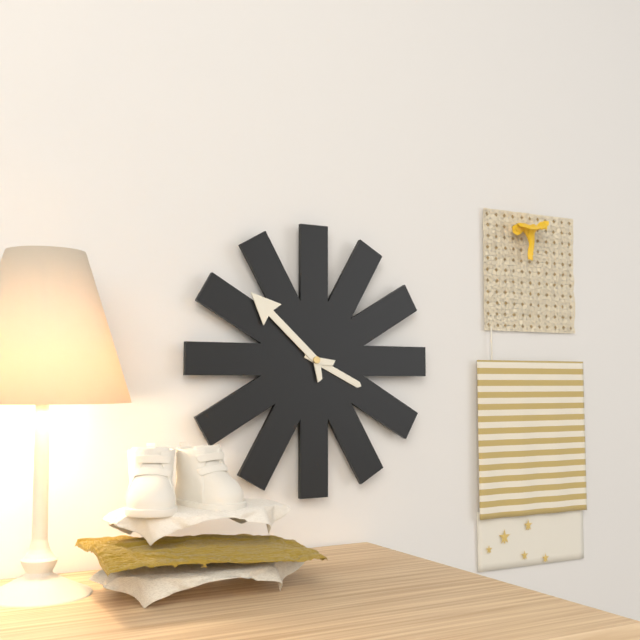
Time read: 3h52
